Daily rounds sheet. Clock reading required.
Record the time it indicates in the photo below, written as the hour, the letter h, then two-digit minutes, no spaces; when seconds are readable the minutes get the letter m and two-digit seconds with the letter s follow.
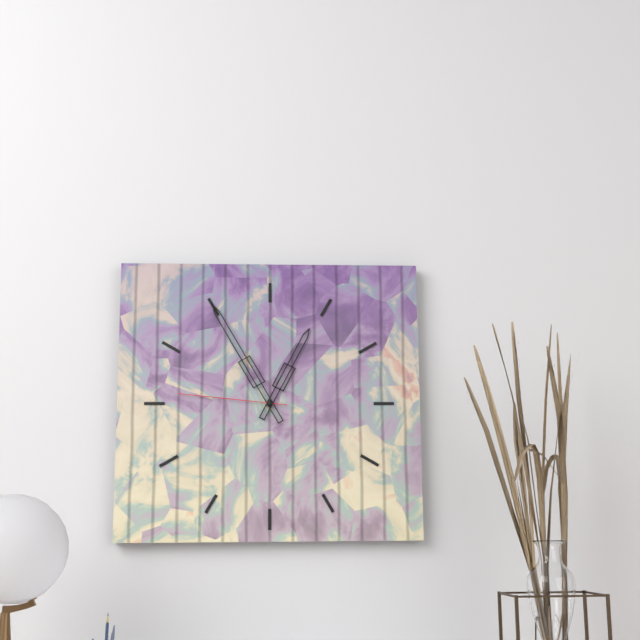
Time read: 12h55m46s
